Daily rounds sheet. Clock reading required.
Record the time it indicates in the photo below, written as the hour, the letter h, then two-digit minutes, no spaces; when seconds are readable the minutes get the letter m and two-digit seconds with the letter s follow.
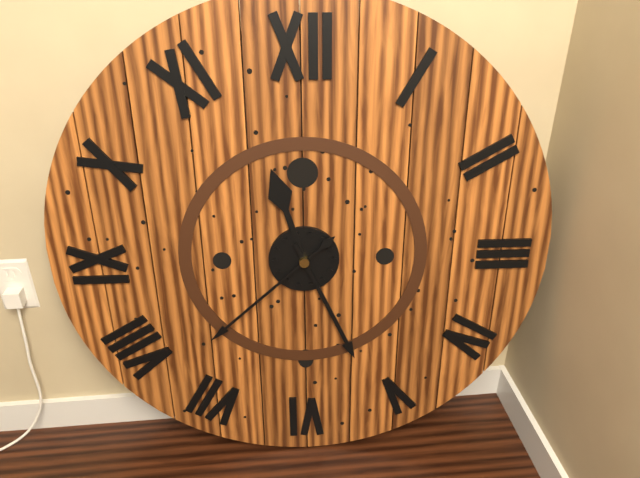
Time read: 11h26m38s
